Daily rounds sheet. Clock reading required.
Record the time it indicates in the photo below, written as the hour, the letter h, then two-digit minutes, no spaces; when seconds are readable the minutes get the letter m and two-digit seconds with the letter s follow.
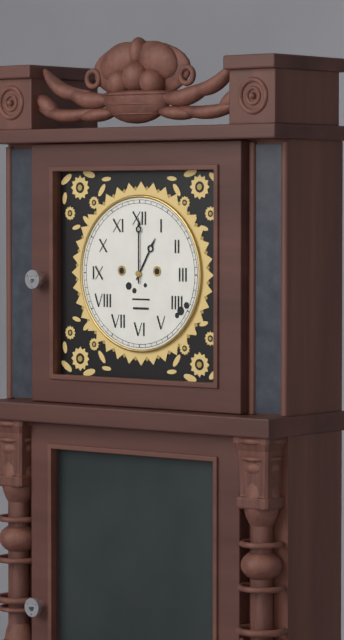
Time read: 1h00
